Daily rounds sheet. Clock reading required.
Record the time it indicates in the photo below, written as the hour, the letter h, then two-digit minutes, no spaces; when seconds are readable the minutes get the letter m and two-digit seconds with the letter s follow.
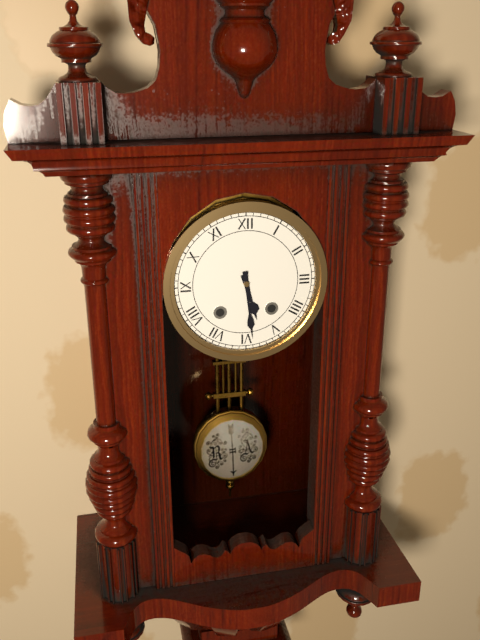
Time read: 5h29
